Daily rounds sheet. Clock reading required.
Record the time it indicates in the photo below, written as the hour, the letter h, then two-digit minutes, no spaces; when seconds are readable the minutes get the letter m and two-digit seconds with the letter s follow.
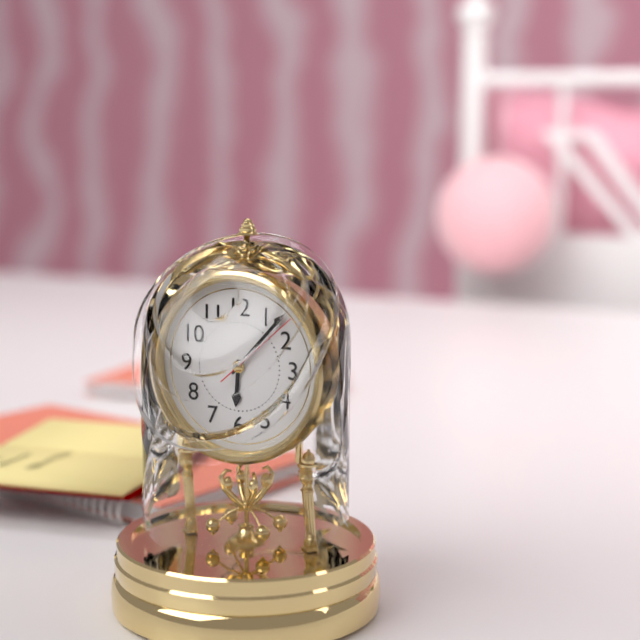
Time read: 6h07m08s
